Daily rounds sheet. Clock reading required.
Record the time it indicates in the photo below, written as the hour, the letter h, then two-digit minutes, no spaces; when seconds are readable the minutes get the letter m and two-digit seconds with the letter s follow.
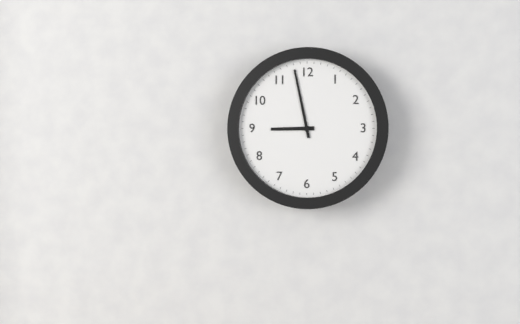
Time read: 8h58
